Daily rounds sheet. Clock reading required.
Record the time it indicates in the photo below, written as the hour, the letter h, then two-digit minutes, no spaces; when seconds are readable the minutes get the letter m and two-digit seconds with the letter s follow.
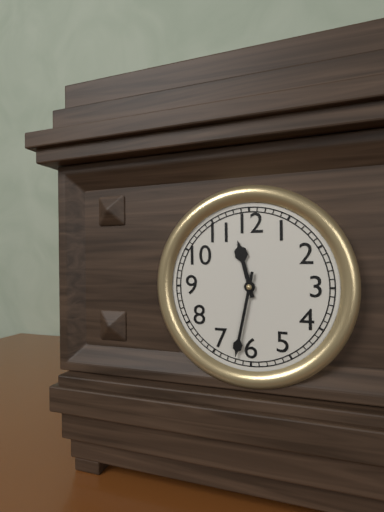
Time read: 11h32
